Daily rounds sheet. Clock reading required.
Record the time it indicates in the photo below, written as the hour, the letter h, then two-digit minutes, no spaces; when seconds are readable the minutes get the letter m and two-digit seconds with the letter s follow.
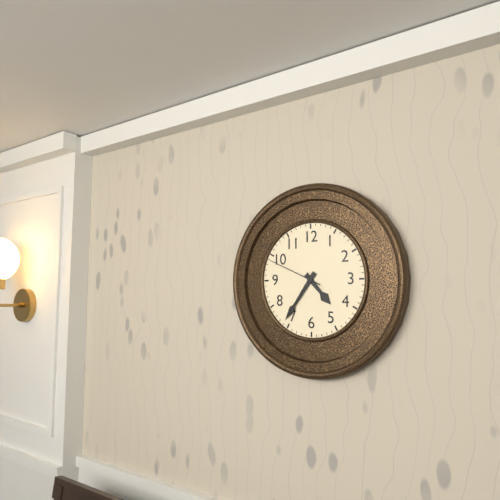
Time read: 4h36m49s
